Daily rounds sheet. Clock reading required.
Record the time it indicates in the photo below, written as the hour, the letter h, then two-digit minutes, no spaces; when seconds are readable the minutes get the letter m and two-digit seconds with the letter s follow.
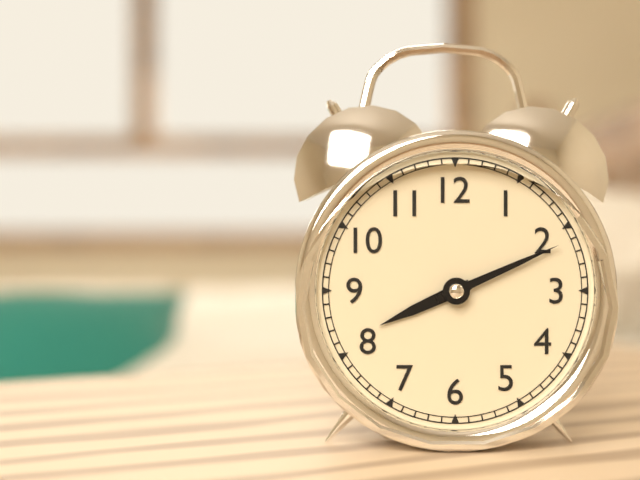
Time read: 8h11
